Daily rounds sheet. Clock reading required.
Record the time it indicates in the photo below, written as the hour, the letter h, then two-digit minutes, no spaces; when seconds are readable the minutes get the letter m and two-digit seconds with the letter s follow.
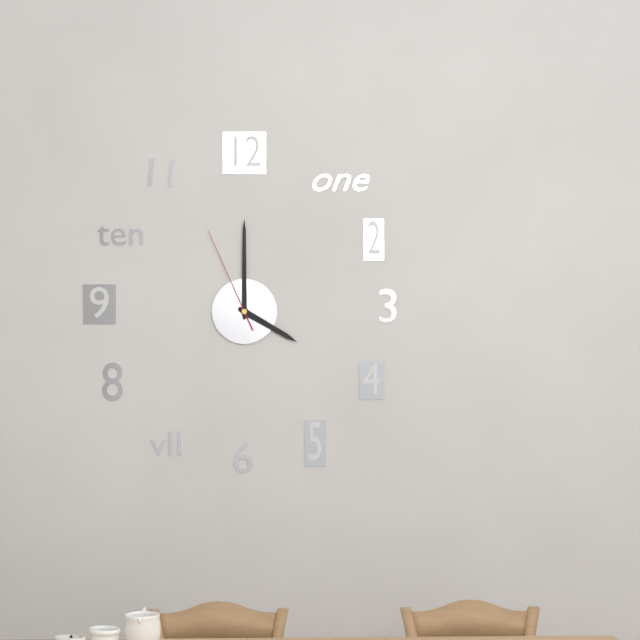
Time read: 4h00m56s
